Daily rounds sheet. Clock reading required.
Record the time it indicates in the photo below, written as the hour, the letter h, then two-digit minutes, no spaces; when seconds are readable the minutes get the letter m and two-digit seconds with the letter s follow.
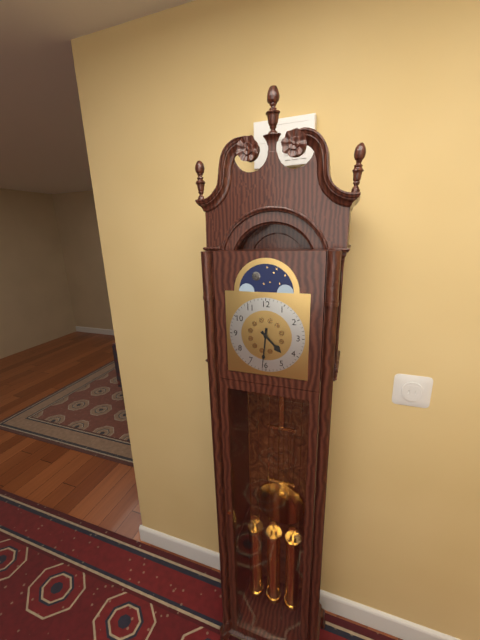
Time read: 4h31
